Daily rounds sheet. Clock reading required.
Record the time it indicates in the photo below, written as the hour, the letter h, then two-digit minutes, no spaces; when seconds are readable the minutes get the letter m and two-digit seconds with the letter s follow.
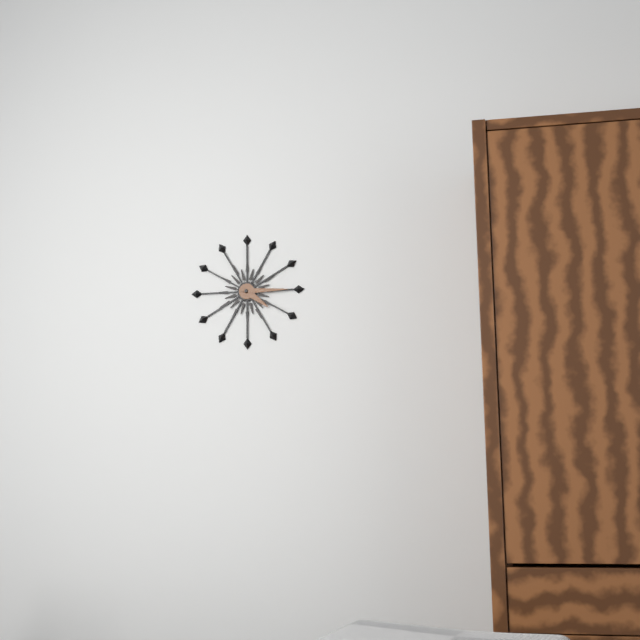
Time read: 4h15
